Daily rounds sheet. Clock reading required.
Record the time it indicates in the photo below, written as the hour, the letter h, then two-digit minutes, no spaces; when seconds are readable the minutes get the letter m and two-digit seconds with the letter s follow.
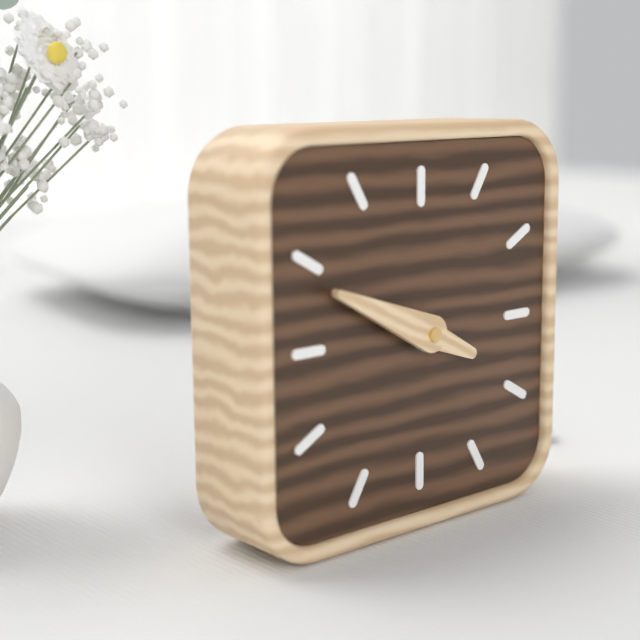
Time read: 3h49
